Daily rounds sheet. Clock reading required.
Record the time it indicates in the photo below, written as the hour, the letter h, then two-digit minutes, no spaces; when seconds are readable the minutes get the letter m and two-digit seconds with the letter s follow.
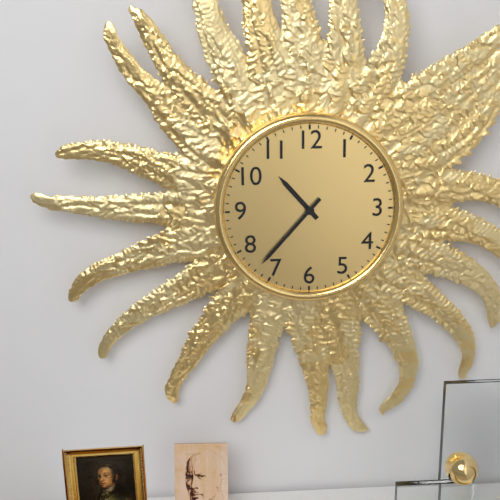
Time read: 10h37
